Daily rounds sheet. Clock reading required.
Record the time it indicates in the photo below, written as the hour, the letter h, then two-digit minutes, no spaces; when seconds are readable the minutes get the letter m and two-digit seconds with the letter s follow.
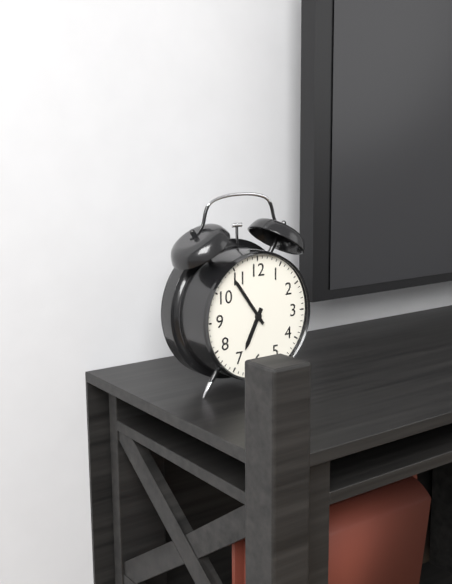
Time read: 6h54
